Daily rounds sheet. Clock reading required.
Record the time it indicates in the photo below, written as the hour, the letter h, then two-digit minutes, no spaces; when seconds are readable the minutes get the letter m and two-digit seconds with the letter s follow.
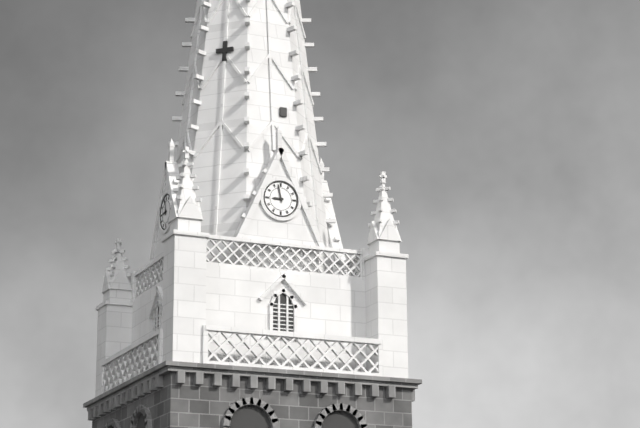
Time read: 8h58
